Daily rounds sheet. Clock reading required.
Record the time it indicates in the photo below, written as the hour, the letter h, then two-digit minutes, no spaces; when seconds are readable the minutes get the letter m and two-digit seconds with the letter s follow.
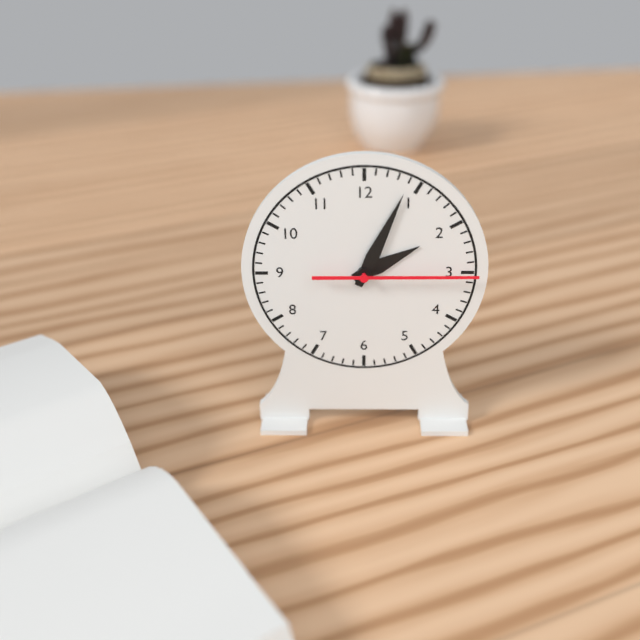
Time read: 2h04m15s
